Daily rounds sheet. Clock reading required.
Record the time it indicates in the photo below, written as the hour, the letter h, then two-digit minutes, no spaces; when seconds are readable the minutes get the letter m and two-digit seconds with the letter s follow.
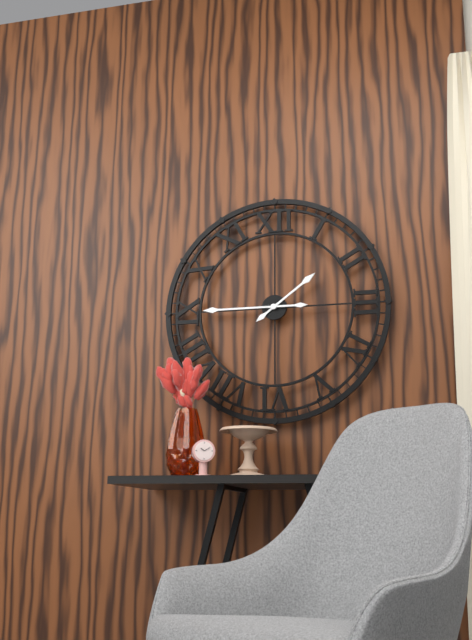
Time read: 1h45
